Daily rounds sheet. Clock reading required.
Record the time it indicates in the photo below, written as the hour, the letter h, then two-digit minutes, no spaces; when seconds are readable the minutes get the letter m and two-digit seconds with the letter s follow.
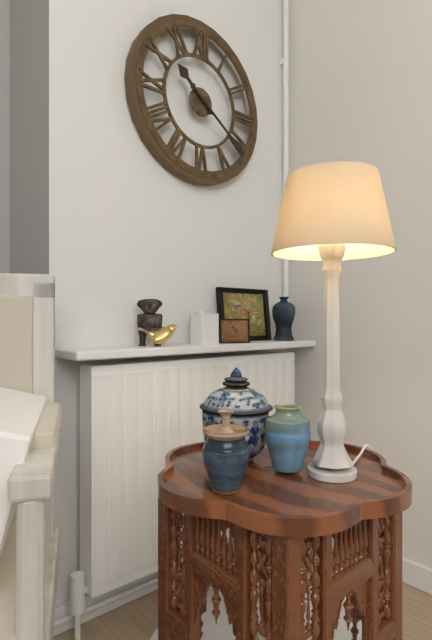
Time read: 10h21
